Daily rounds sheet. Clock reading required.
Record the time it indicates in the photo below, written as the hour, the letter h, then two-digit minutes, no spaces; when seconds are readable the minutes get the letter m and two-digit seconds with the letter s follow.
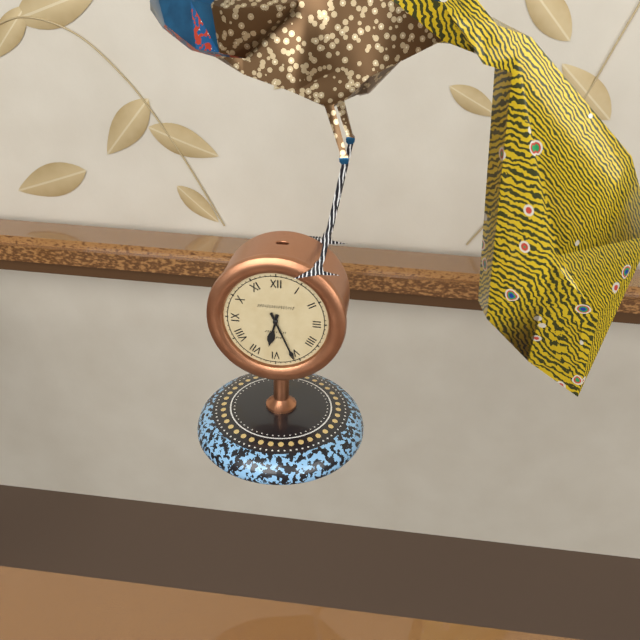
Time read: 6h26
